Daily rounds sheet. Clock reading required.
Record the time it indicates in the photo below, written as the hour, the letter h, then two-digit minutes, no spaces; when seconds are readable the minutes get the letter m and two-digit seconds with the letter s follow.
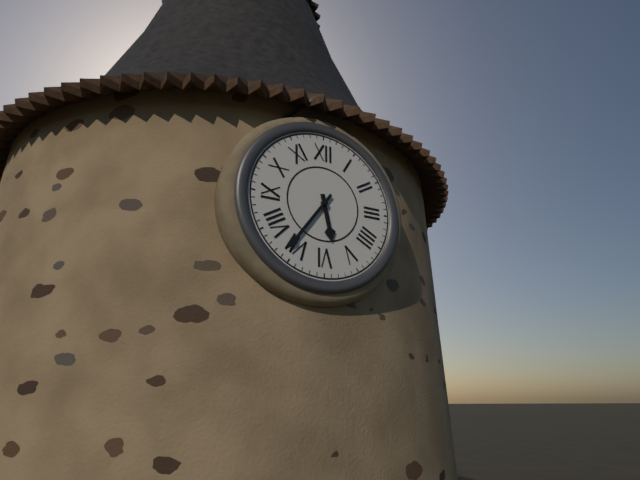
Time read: 5h36
